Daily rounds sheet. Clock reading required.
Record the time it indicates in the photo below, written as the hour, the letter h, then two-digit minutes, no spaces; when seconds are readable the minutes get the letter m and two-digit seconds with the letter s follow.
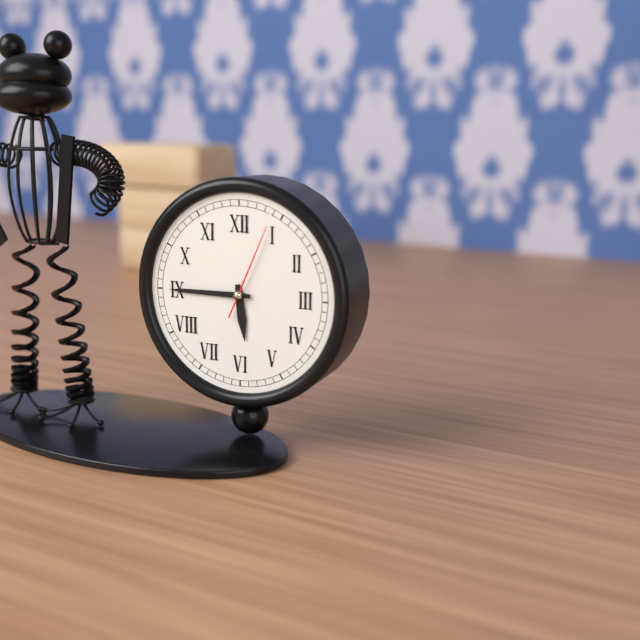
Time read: 5h45m04s
